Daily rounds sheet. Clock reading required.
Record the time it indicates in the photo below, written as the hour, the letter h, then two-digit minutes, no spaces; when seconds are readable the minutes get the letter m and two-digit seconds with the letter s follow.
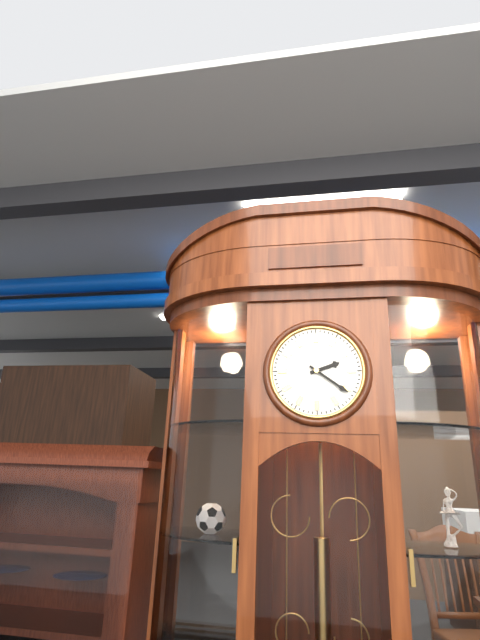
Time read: 2h21
